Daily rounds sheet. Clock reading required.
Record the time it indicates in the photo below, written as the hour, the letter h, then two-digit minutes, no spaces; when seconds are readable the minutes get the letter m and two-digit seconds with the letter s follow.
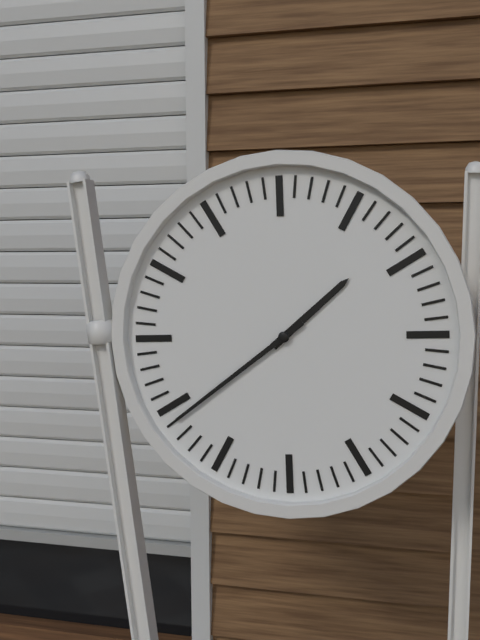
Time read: 1h39
